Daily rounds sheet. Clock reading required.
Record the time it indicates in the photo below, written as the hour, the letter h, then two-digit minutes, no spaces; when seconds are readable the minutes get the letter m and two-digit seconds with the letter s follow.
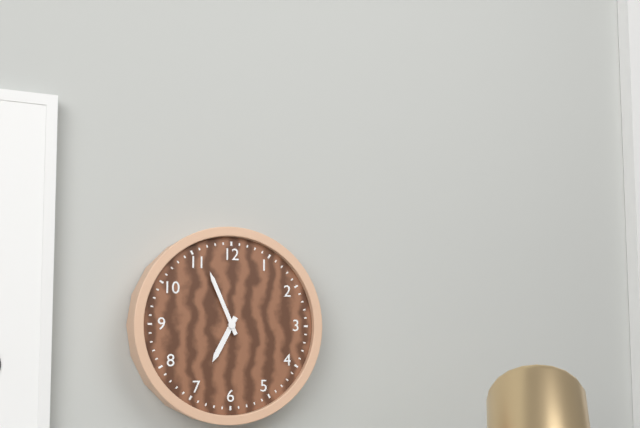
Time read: 6h56
